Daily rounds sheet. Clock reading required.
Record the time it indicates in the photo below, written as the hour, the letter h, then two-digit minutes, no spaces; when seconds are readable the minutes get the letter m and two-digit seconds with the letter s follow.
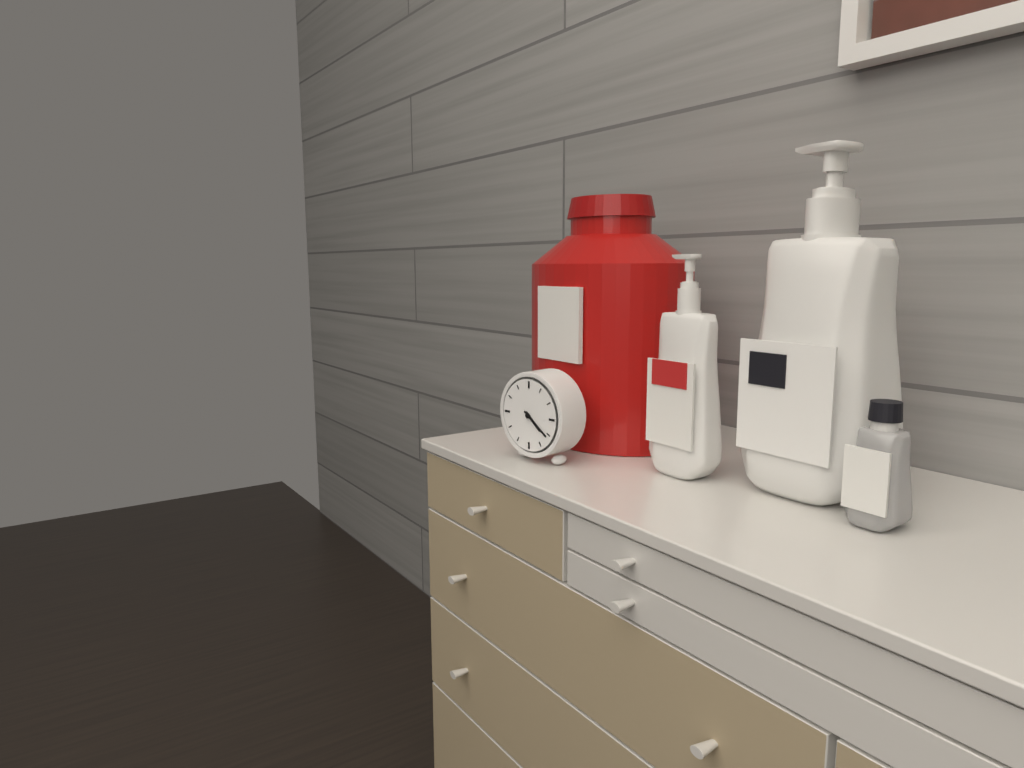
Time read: 4h21
